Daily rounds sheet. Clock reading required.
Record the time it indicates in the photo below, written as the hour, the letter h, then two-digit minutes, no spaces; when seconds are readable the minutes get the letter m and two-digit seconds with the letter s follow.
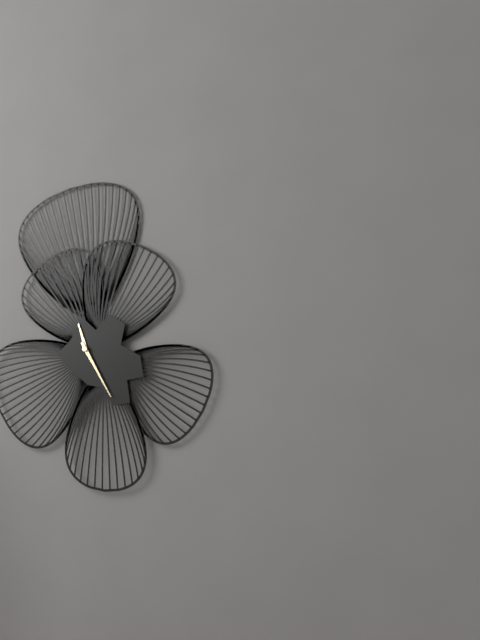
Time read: 11h25
